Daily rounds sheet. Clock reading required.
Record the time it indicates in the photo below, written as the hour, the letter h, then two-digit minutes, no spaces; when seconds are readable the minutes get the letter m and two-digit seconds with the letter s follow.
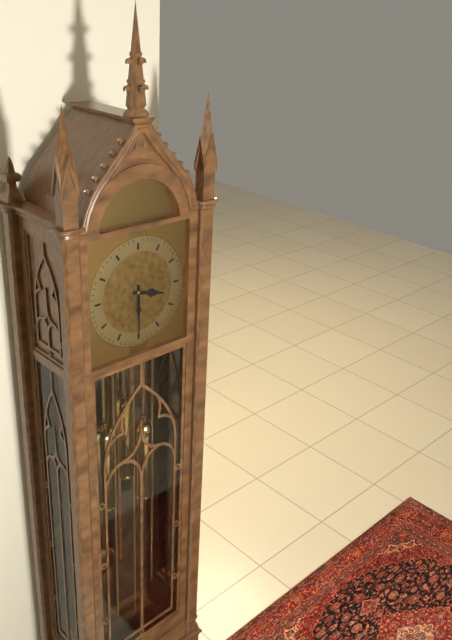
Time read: 3h30
